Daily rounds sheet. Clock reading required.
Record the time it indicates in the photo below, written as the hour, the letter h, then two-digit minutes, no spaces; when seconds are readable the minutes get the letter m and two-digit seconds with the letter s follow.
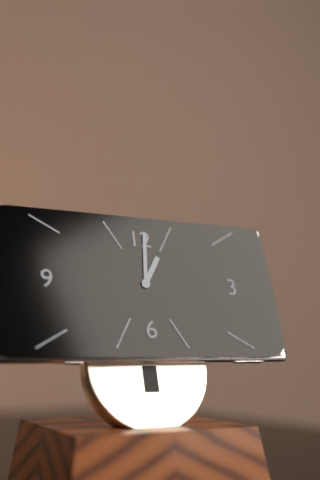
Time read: 1h01
